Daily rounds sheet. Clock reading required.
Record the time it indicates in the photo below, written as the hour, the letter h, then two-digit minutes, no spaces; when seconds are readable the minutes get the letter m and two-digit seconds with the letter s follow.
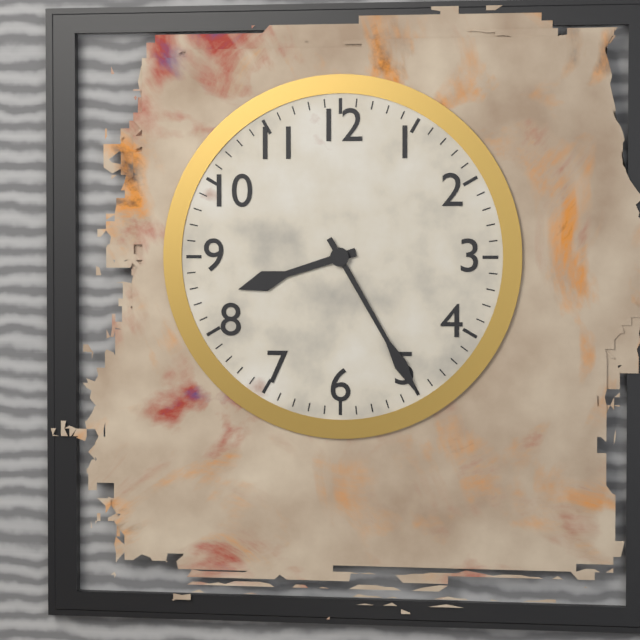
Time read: 8h25
